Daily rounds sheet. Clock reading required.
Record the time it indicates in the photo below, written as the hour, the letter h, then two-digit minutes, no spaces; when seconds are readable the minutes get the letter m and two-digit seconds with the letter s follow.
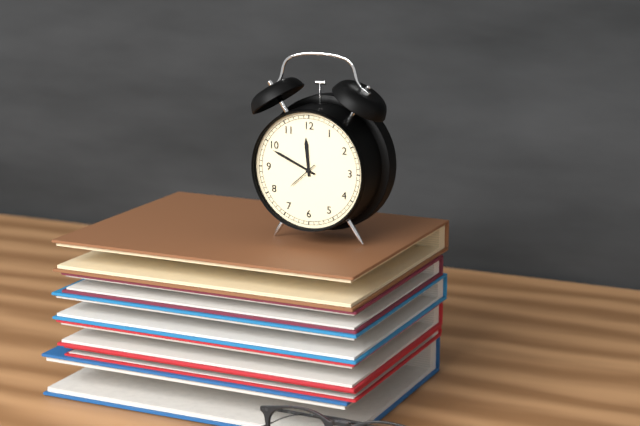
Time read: 11h49
